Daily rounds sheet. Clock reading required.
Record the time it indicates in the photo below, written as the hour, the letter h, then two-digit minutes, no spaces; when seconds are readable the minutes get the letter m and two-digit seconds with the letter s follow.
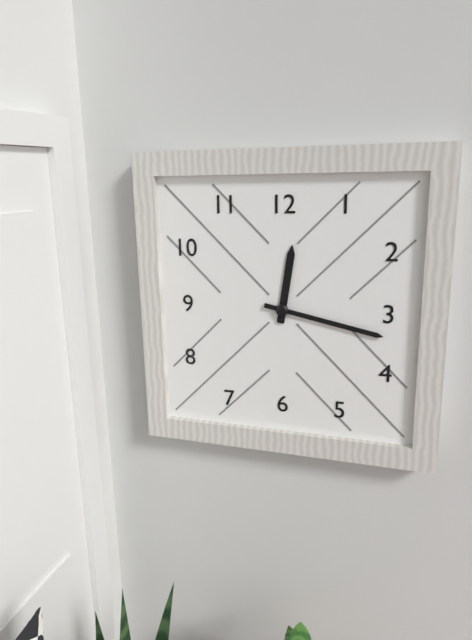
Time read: 12h17
